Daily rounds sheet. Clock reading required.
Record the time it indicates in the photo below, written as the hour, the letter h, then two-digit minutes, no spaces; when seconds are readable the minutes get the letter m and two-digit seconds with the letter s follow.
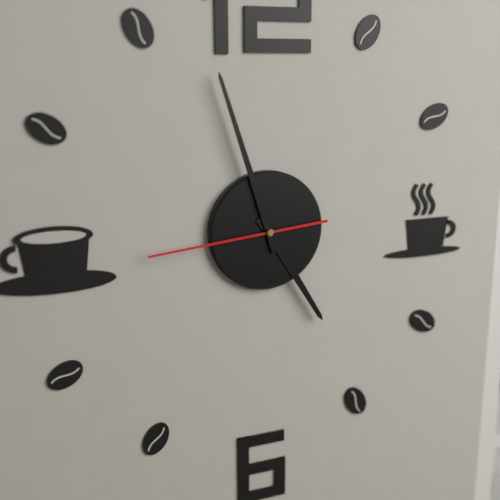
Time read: 4h57m44s
